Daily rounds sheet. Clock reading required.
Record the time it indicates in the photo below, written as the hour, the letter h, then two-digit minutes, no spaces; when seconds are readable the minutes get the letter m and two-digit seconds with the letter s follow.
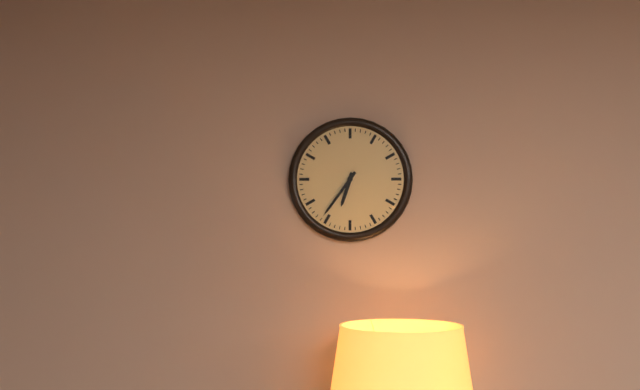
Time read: 6h36
